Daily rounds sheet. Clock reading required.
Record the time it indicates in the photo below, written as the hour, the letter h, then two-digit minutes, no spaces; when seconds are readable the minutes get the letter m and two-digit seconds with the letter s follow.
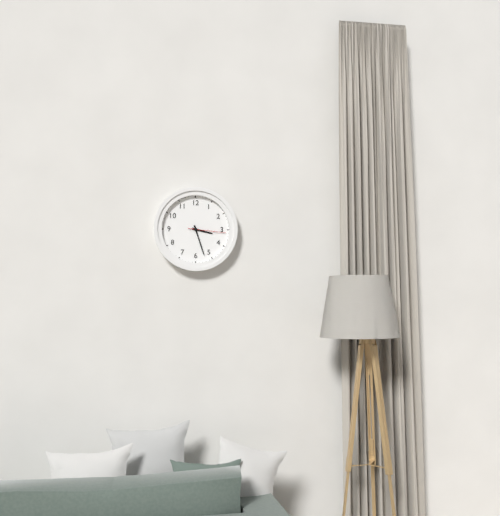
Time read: 3h27
